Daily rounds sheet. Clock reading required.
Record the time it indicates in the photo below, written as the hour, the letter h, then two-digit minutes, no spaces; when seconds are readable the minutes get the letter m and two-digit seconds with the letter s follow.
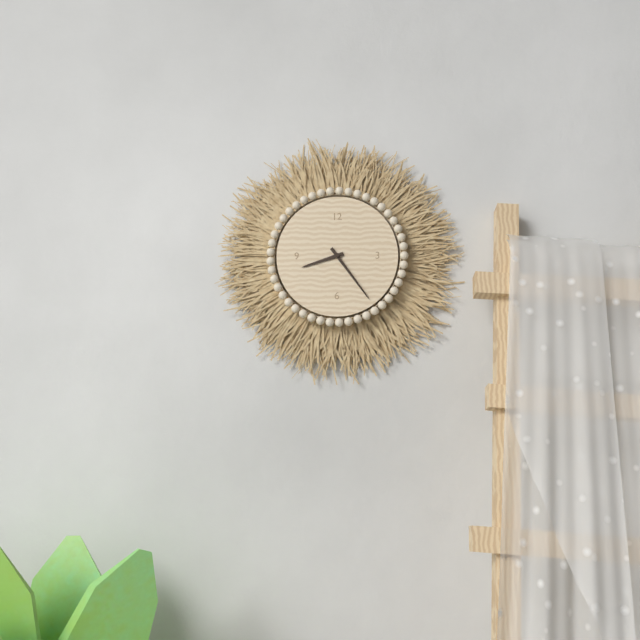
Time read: 8h24
